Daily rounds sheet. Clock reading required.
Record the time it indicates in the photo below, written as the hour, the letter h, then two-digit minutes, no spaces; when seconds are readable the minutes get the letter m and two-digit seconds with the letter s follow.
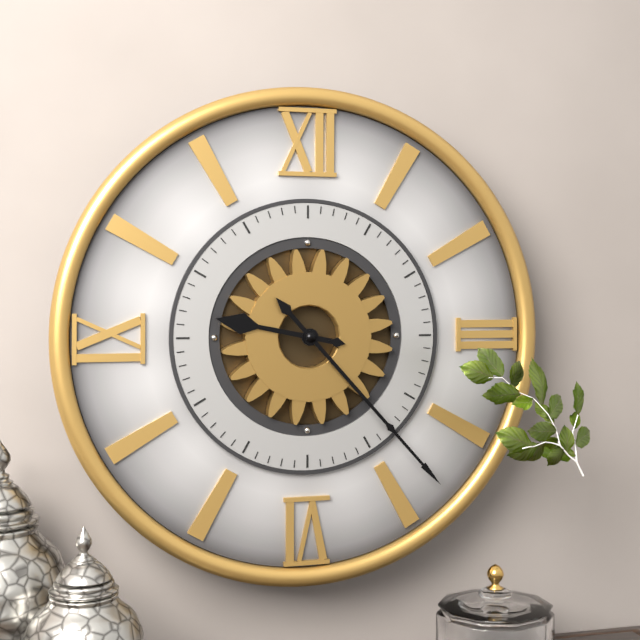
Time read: 9h23
